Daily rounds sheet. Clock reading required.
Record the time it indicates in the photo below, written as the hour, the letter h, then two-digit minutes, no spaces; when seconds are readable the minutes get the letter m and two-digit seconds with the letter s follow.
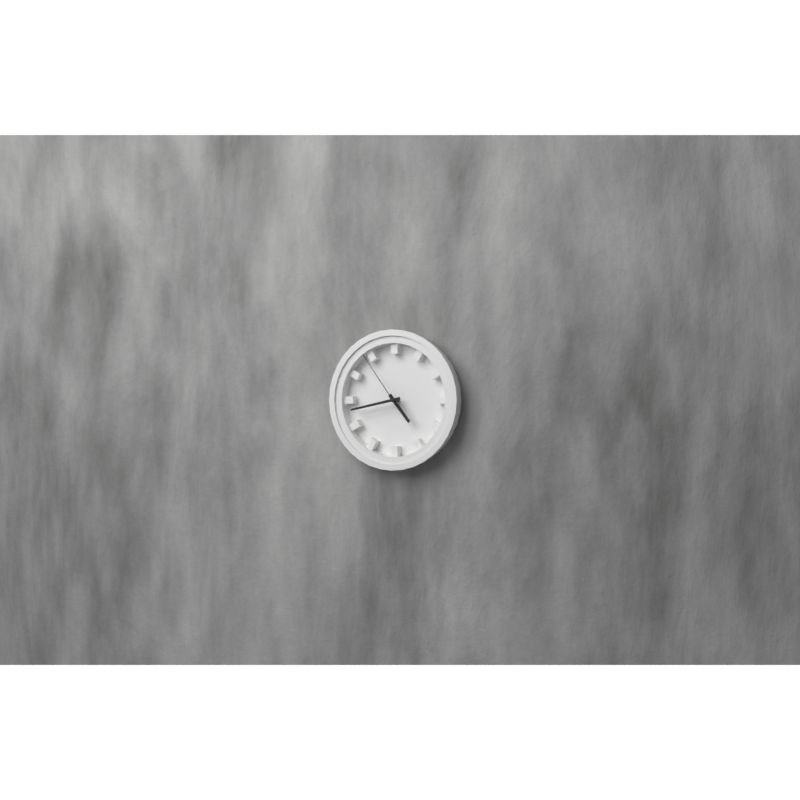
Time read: 4h43m54s
